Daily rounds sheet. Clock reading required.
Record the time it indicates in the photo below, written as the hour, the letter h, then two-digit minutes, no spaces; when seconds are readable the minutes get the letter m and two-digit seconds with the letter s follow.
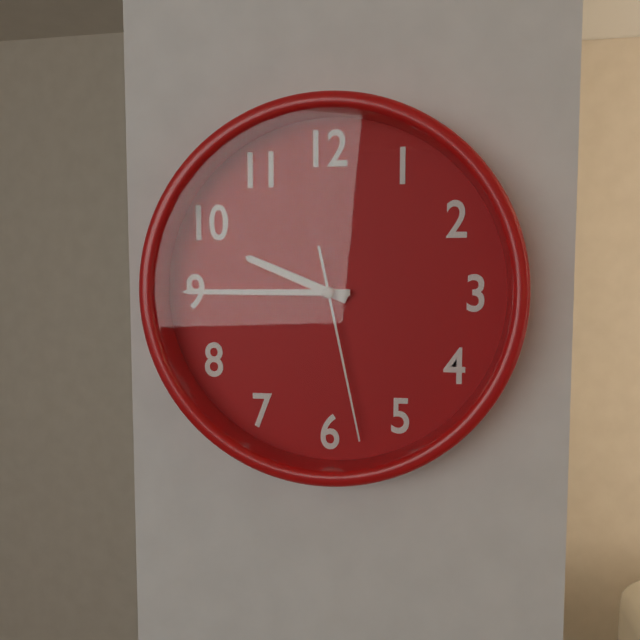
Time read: 9h45m28s
